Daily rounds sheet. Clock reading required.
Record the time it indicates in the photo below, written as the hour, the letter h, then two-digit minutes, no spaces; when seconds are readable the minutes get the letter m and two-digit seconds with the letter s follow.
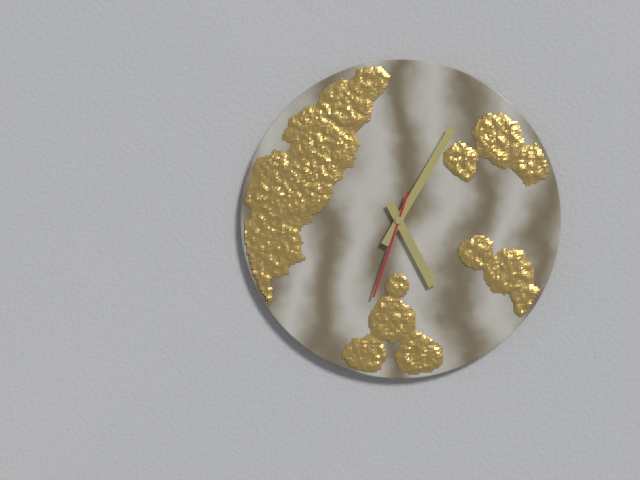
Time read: 5h05m33s
